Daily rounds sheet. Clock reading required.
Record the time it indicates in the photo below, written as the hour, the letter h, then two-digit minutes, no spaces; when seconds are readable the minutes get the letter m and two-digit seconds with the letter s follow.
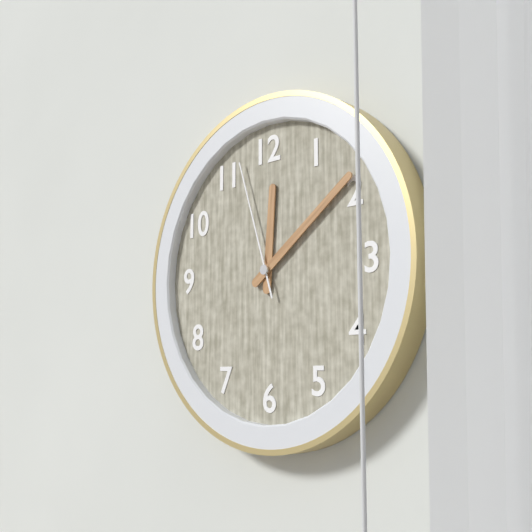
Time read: 12h09m57s
